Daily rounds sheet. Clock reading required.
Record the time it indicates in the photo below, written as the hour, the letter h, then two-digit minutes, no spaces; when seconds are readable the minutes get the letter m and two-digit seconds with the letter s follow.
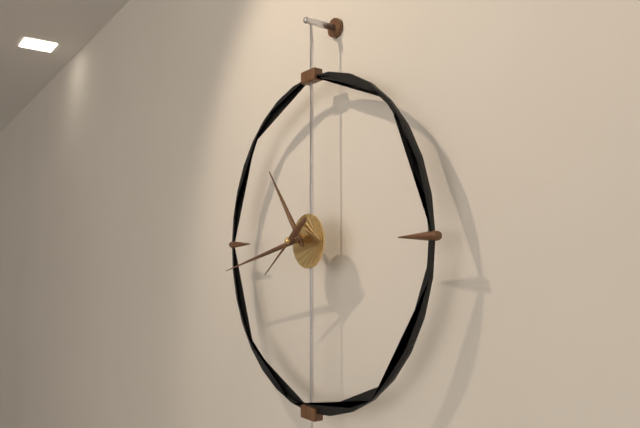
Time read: 10h43m39s
